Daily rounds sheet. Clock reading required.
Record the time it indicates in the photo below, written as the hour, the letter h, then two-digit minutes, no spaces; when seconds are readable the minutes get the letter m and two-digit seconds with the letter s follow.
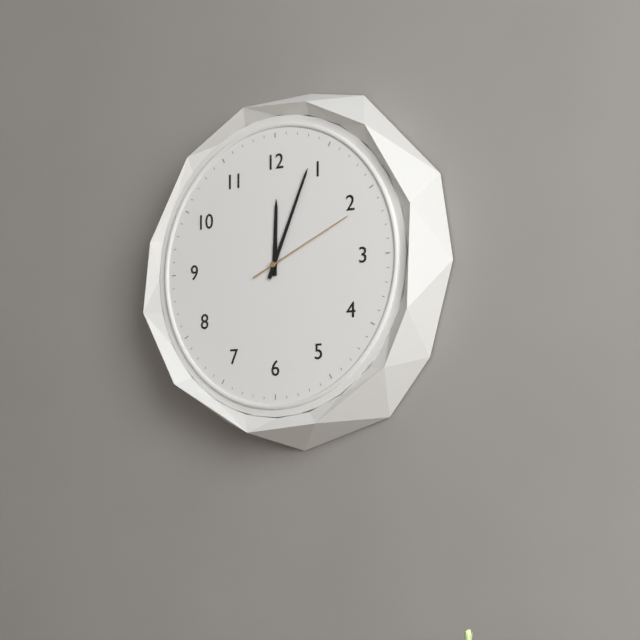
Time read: 12h04m11s
